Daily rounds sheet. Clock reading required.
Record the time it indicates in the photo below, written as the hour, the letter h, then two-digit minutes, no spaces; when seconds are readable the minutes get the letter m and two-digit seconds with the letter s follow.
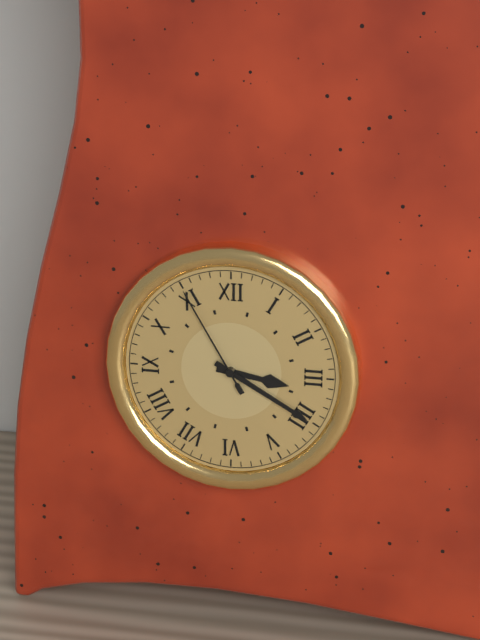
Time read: 3h20m55s
